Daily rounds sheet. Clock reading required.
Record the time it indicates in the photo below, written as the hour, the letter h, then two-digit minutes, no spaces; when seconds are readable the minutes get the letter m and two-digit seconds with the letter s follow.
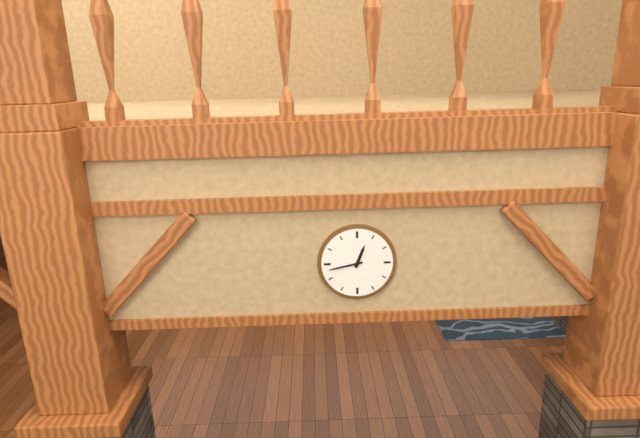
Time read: 12h43
